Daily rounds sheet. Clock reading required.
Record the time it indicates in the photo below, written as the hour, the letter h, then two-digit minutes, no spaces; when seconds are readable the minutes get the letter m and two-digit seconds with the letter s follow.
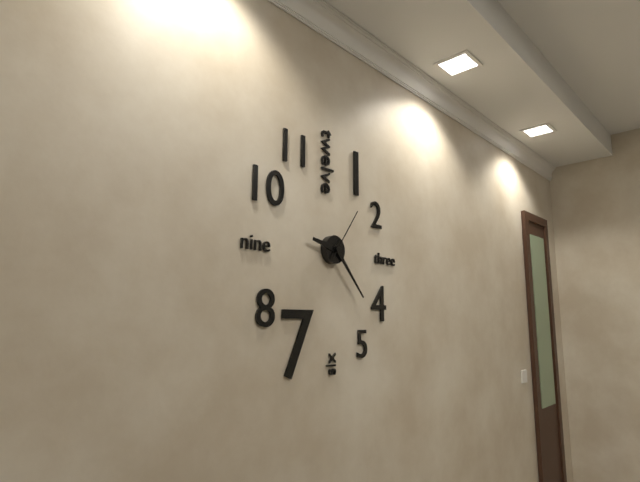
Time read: 9h23m06s
